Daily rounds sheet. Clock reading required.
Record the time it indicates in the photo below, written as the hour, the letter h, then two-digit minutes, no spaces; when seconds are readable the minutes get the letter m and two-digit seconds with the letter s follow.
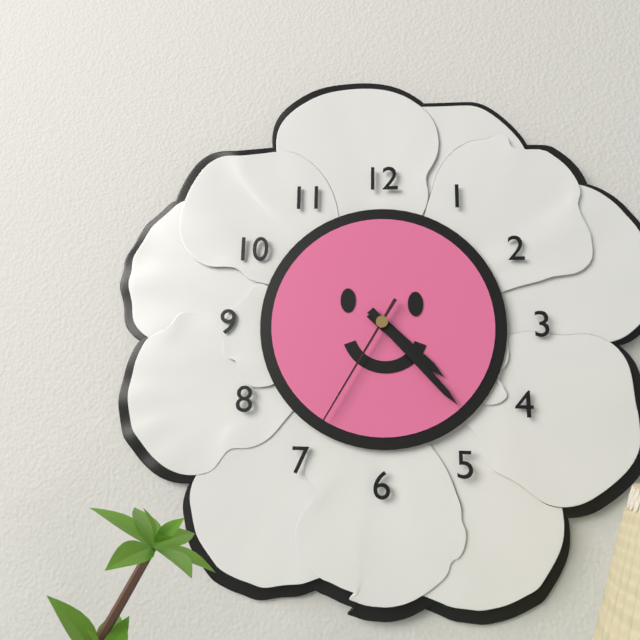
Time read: 4h23m35s
